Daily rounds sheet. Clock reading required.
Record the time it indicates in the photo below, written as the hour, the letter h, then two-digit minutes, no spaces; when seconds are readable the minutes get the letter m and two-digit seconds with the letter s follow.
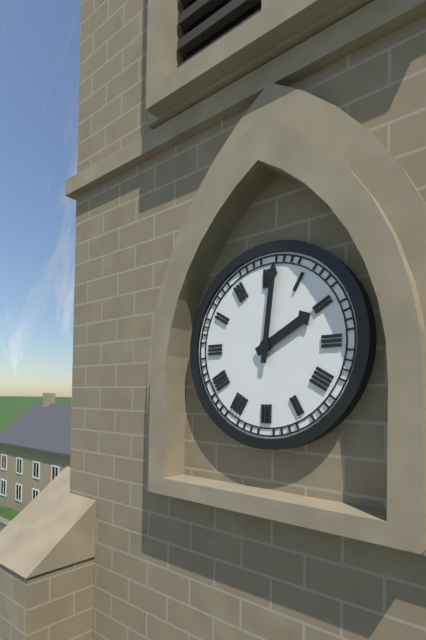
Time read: 2h01
